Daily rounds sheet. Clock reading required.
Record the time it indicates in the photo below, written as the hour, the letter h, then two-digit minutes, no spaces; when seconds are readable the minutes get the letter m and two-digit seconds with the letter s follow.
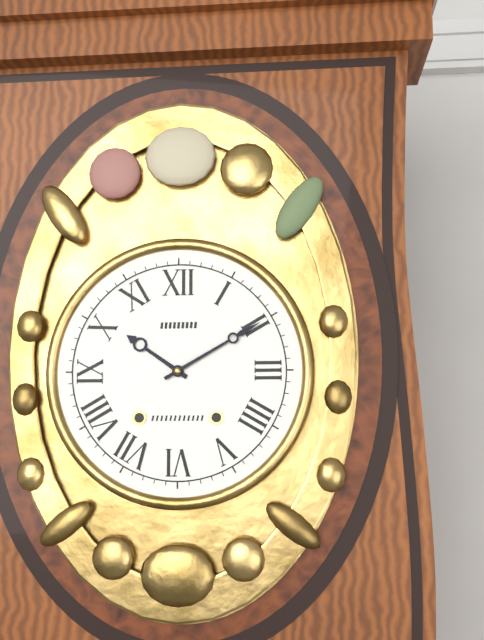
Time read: 10h10
